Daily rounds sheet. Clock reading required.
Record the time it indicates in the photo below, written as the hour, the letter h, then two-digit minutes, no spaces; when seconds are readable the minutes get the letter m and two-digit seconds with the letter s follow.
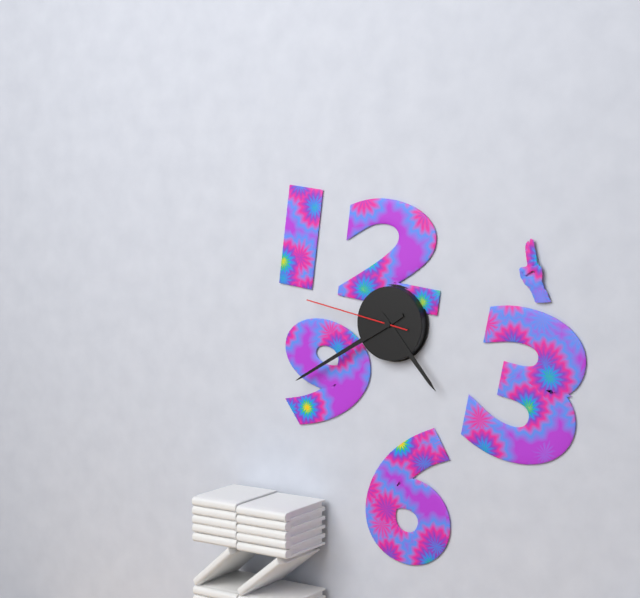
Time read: 4h40m47s
